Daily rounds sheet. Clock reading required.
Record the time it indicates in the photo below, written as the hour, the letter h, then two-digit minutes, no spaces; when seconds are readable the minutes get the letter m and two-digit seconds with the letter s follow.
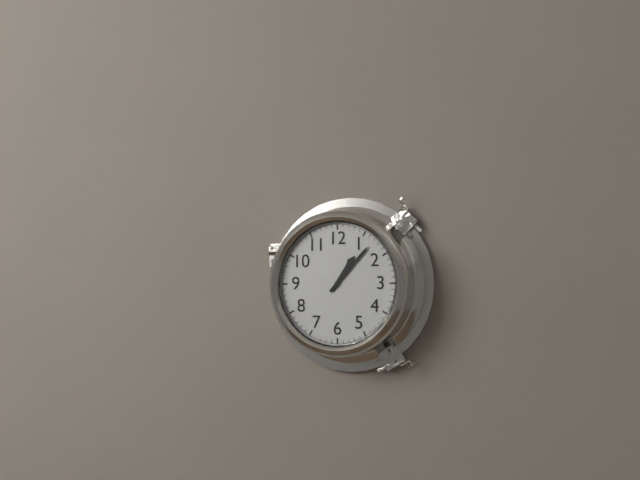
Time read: 1h07
